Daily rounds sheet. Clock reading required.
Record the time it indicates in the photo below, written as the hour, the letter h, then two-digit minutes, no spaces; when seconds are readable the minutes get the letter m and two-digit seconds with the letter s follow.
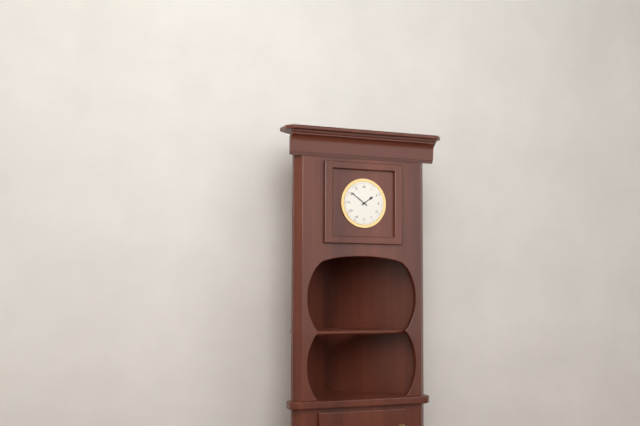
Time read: 1h51
